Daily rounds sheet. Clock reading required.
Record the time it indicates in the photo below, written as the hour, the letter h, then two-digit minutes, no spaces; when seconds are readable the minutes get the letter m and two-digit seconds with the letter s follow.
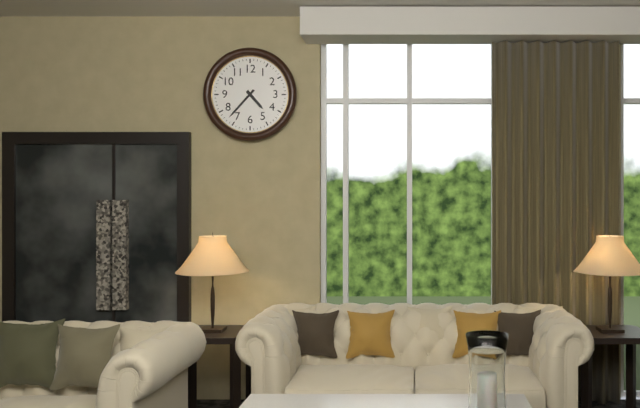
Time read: 4h37
